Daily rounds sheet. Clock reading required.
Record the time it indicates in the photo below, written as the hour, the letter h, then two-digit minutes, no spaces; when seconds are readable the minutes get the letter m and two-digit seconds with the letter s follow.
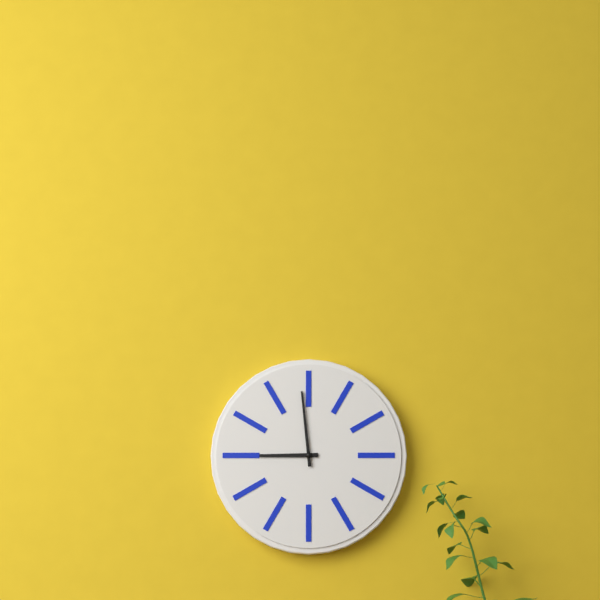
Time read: 8h59
